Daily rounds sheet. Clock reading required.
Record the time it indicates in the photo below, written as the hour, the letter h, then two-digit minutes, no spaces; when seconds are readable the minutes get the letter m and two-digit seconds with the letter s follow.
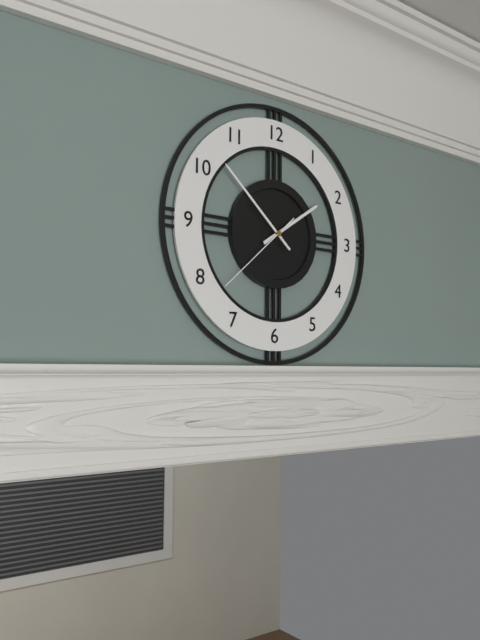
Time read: 1h52m38s
